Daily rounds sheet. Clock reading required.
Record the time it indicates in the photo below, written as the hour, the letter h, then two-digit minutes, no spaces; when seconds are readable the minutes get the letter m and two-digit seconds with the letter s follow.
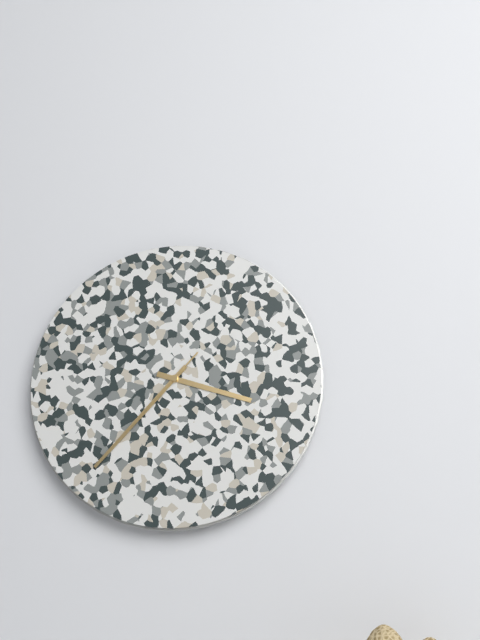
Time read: 3h37m37s
